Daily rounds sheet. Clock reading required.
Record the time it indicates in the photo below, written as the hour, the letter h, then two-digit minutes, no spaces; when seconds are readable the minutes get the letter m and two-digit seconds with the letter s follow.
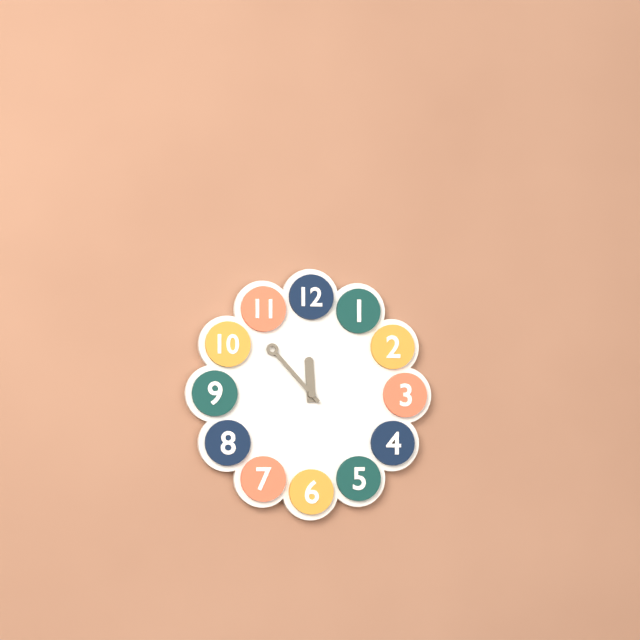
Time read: 11h53
